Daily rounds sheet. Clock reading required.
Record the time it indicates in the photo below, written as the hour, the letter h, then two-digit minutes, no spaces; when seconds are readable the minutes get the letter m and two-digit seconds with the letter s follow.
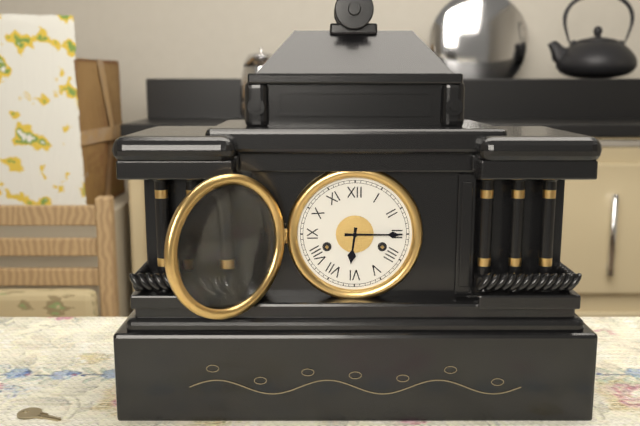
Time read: 6h15
